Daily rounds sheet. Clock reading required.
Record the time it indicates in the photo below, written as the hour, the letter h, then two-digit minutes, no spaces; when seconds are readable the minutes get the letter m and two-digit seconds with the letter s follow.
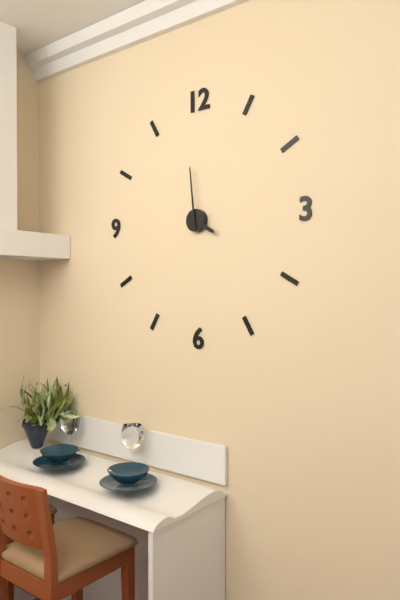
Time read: 3h59
